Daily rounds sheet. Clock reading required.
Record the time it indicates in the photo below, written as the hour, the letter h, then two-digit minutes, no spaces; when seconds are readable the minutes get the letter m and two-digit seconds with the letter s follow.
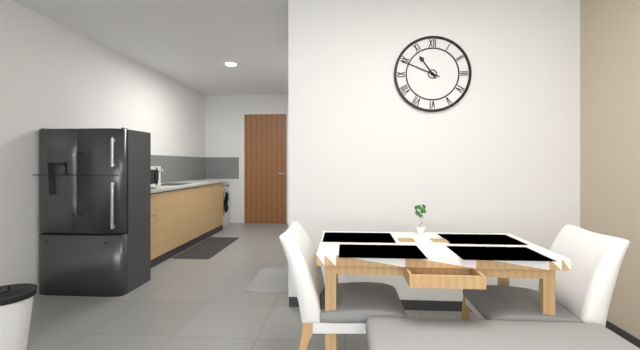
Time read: 10h49
